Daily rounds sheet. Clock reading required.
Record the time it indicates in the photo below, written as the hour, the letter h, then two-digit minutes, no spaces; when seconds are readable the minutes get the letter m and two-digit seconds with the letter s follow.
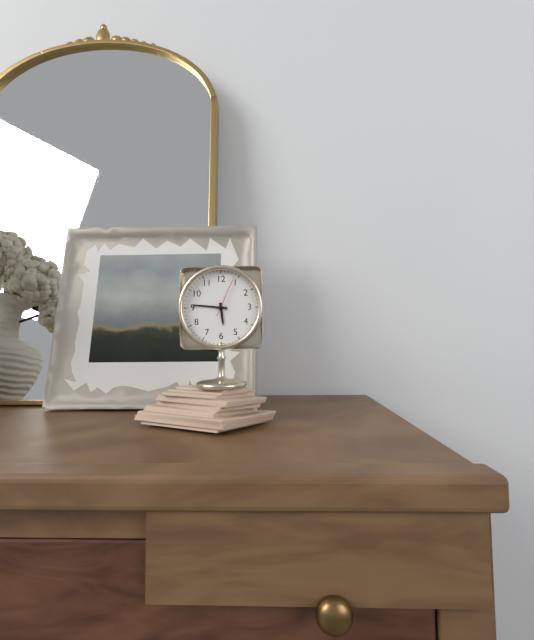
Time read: 5h46
